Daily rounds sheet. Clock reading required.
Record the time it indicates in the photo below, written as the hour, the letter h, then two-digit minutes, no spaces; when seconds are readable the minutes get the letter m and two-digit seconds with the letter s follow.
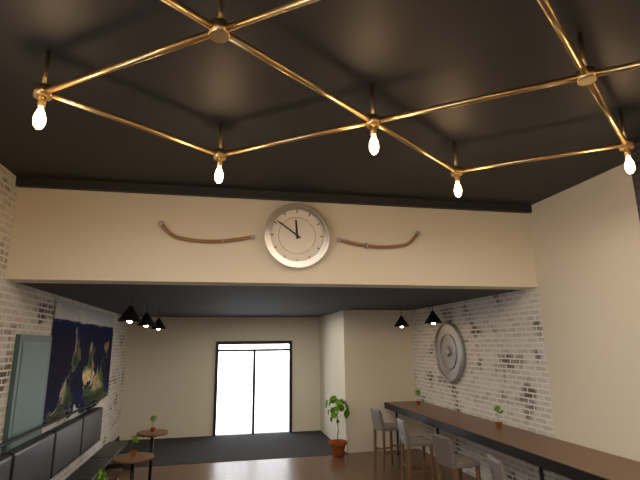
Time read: 11h51
